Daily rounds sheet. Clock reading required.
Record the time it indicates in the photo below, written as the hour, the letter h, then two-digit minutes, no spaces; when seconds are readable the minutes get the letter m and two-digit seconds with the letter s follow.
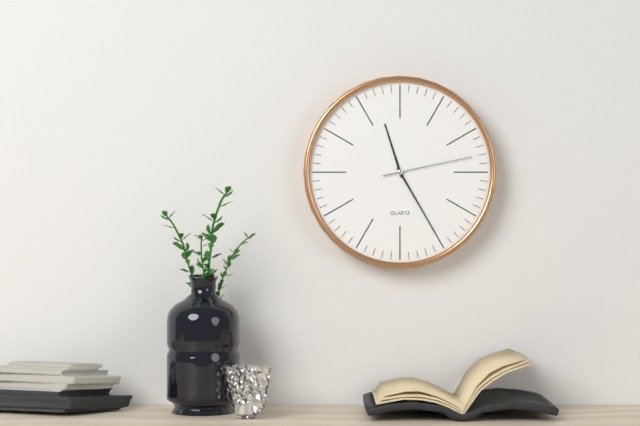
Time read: 11h25m13s
